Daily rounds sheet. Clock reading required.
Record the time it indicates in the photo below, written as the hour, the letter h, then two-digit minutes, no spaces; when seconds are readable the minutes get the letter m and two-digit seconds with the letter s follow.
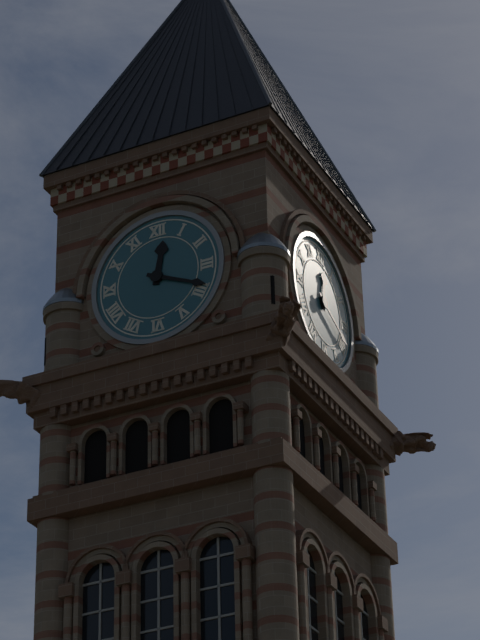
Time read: 12h19
